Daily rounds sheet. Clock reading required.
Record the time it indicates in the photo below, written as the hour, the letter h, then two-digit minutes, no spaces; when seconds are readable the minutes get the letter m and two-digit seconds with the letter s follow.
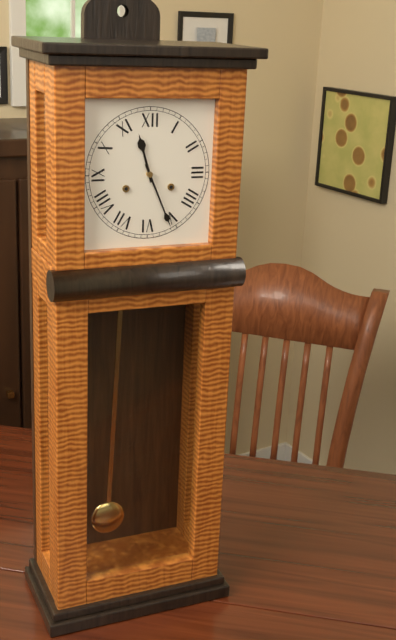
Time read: 11h26
